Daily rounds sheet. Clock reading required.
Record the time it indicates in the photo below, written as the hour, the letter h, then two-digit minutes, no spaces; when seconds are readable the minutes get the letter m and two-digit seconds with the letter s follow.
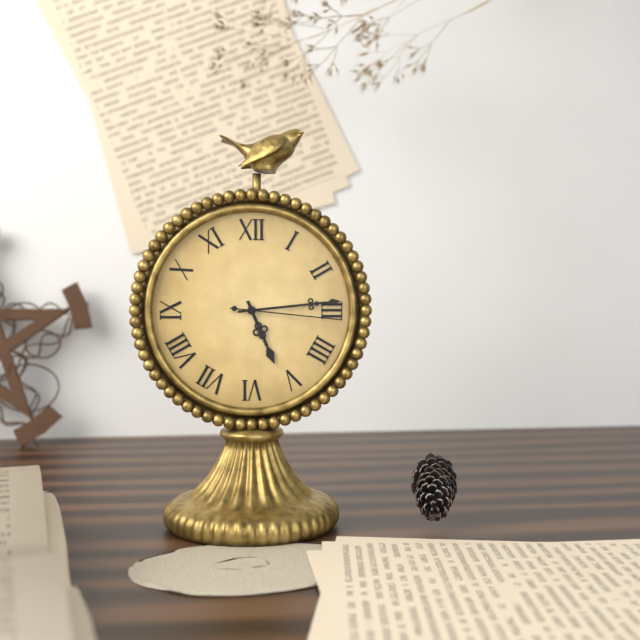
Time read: 5h14m16s
